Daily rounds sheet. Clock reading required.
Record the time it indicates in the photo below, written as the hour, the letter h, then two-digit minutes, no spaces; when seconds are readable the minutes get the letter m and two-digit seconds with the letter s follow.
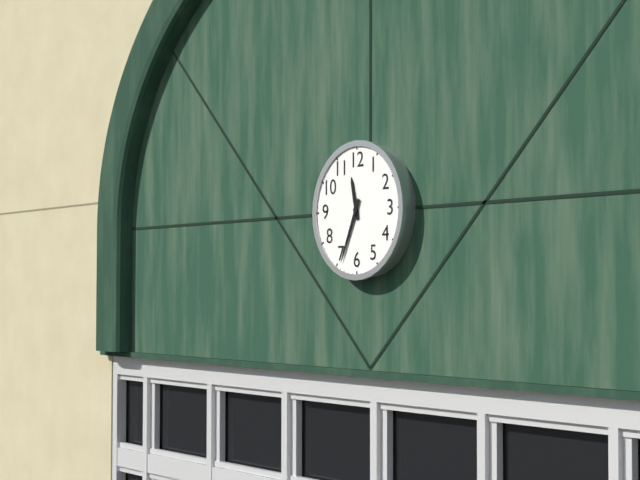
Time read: 11h34
